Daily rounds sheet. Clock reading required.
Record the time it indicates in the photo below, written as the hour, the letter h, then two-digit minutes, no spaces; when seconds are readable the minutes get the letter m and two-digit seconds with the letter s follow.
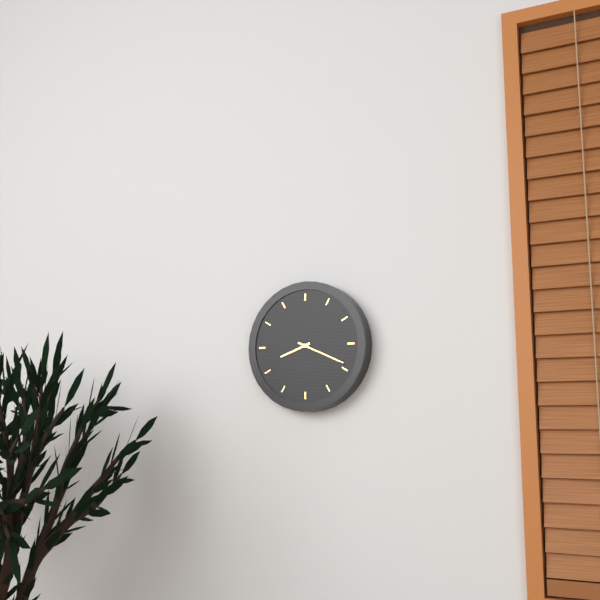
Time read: 8h19
